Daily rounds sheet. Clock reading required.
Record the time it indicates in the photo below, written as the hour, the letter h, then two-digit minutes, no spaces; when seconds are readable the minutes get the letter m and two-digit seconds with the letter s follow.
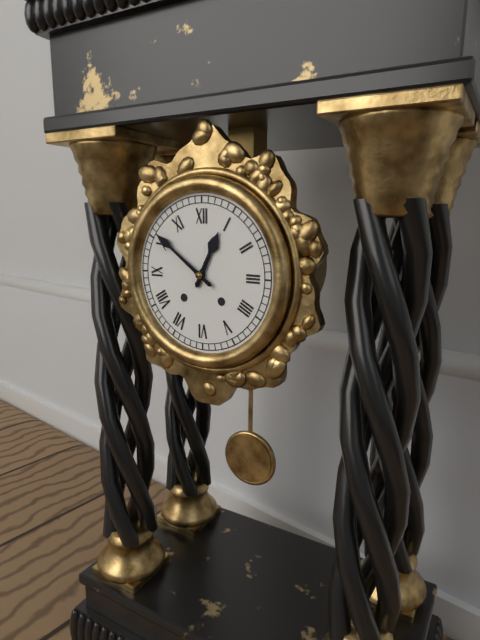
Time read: 12h51
